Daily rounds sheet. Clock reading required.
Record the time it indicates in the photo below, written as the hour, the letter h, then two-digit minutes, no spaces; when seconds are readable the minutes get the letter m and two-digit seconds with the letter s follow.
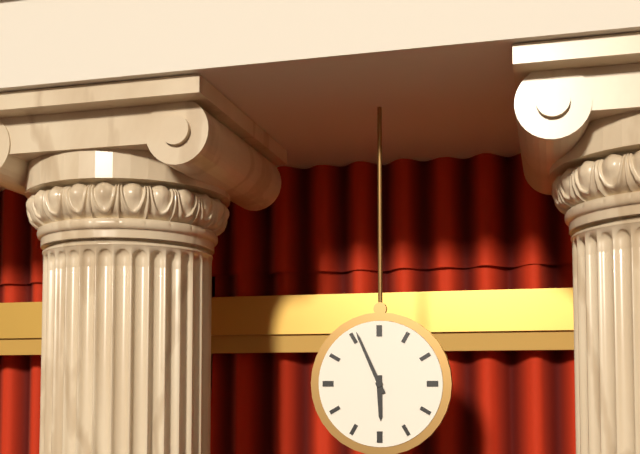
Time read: 5h56
